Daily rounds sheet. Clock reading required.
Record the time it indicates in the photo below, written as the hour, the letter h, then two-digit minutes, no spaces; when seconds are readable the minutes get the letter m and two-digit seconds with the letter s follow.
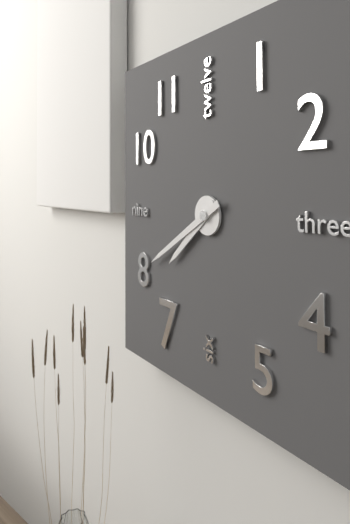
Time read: 7h40
